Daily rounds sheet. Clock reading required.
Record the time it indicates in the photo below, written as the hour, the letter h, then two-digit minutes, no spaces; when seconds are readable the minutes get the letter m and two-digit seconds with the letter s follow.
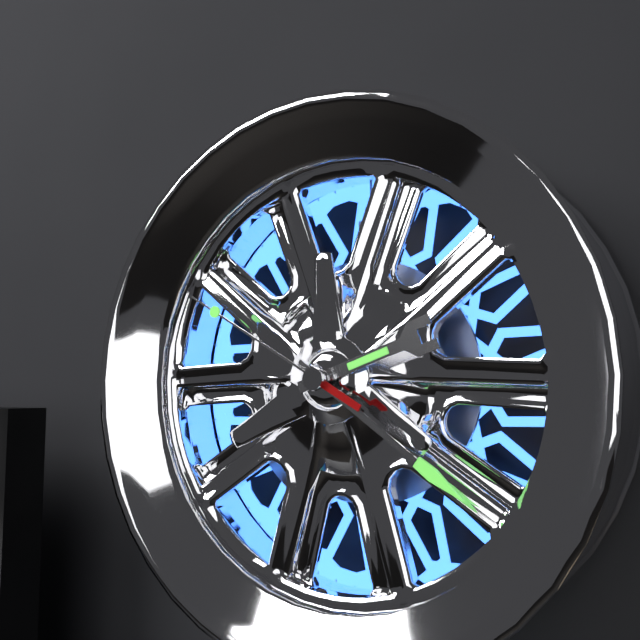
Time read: 2h21m50s
